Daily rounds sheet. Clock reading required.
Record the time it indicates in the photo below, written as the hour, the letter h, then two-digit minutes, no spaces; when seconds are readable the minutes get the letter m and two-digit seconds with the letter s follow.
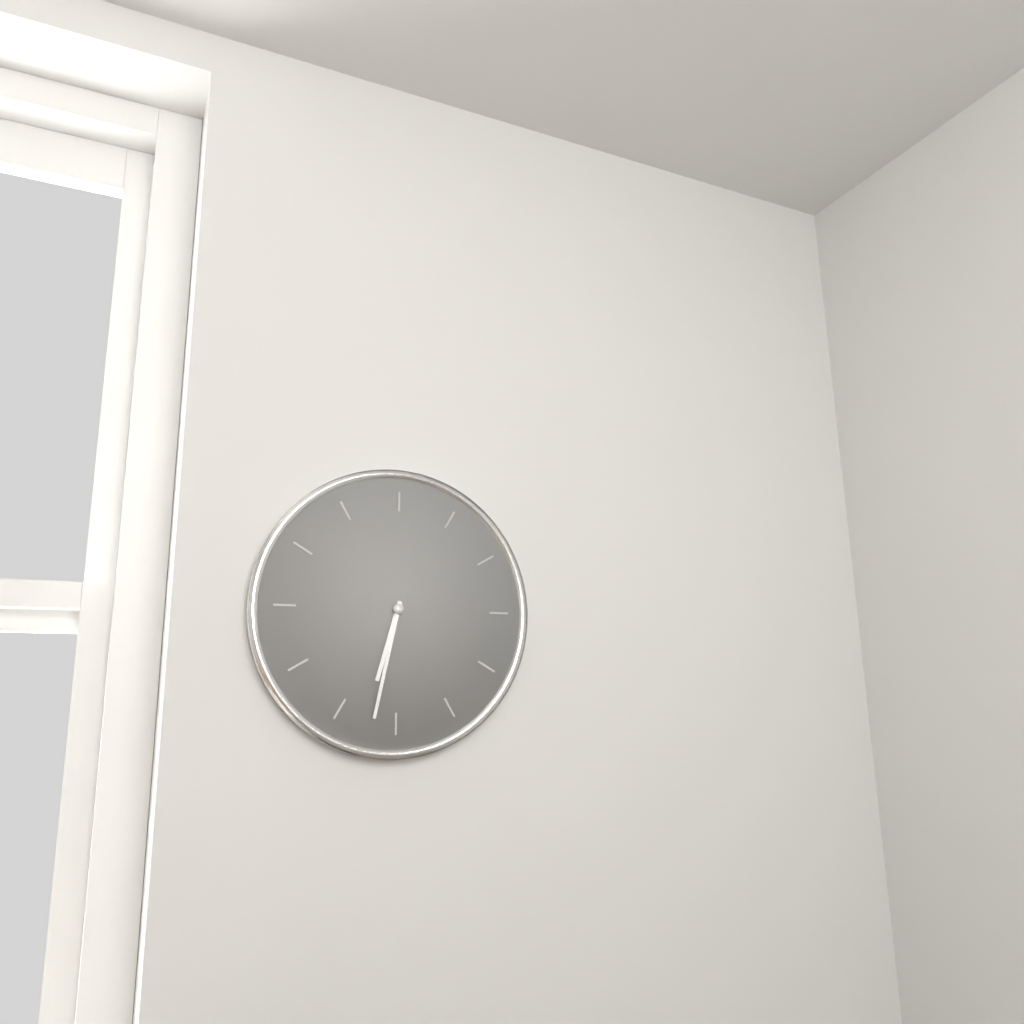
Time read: 6h32
